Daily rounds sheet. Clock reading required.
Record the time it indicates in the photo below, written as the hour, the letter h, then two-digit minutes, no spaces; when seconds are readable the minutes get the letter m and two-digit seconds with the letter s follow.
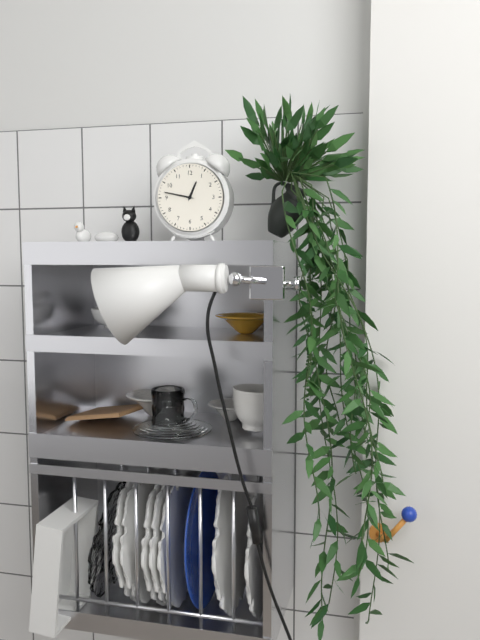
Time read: 12h47
